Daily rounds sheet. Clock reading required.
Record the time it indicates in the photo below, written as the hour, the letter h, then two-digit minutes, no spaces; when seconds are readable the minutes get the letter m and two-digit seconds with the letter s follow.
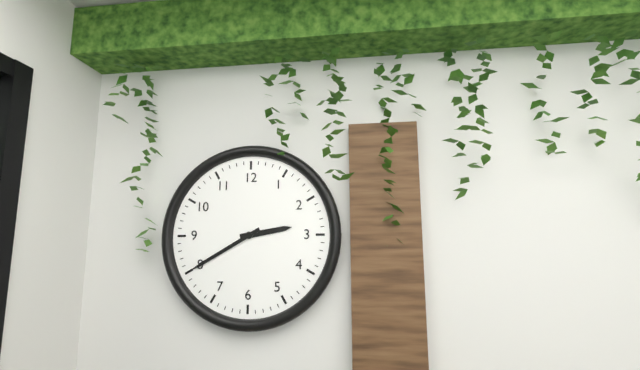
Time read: 2h40
